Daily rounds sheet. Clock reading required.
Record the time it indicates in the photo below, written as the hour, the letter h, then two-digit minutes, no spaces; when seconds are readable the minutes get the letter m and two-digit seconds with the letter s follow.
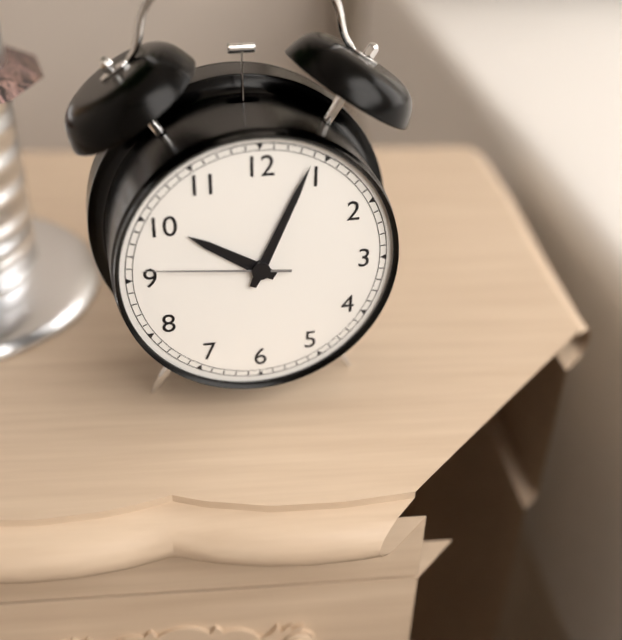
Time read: 10h04m46s
